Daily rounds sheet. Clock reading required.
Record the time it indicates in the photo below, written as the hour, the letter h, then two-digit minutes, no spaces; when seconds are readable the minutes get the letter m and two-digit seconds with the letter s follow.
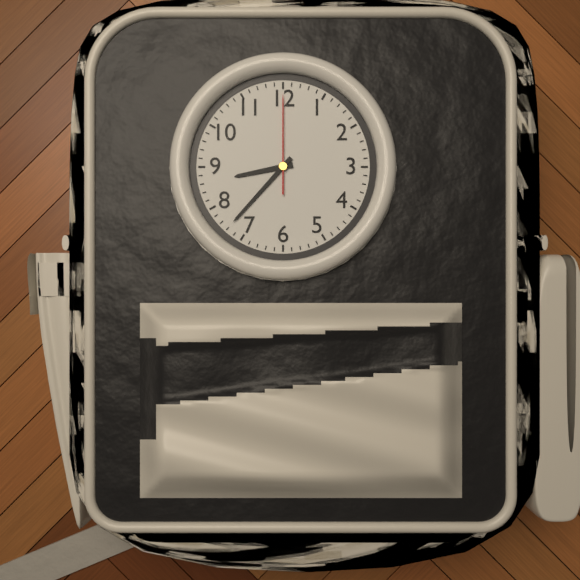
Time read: 8h37m00s
